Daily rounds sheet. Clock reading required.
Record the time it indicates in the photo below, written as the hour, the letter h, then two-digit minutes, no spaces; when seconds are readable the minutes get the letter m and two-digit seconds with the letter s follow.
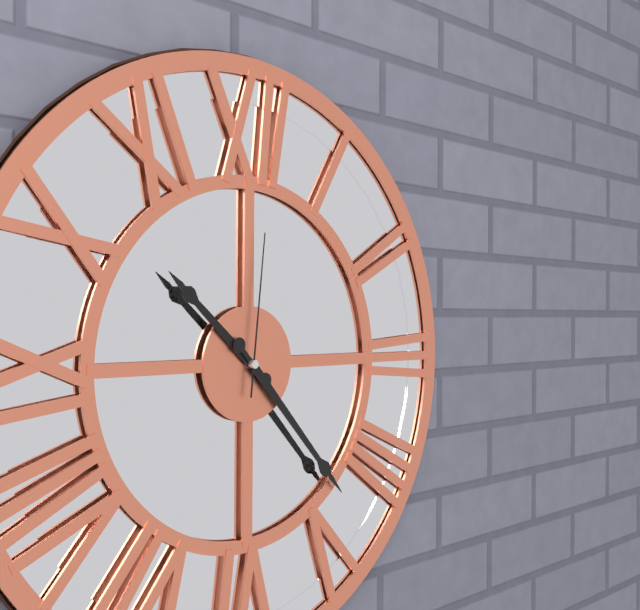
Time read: 10h23m01s
